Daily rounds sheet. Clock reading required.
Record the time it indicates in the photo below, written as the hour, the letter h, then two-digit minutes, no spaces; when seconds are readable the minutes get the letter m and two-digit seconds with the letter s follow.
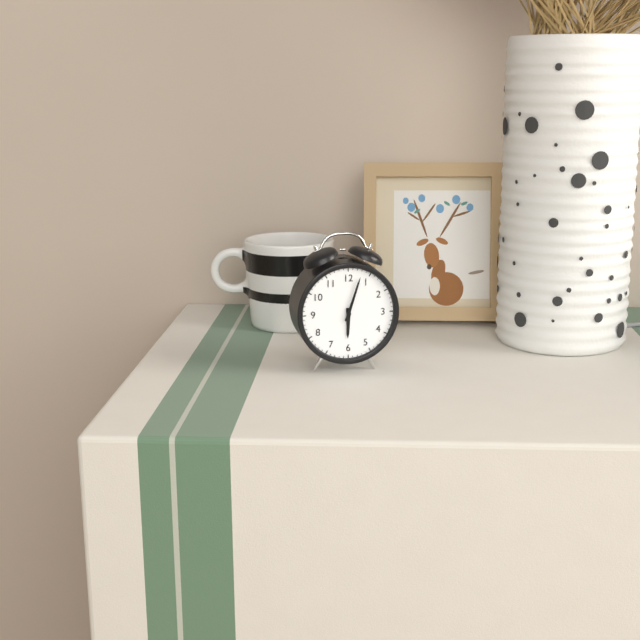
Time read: 6h03
